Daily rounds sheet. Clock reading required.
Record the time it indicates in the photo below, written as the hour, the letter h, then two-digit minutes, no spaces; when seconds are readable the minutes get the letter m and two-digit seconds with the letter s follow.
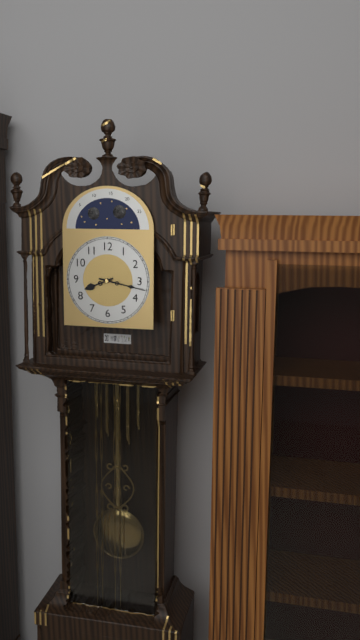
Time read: 8h17
